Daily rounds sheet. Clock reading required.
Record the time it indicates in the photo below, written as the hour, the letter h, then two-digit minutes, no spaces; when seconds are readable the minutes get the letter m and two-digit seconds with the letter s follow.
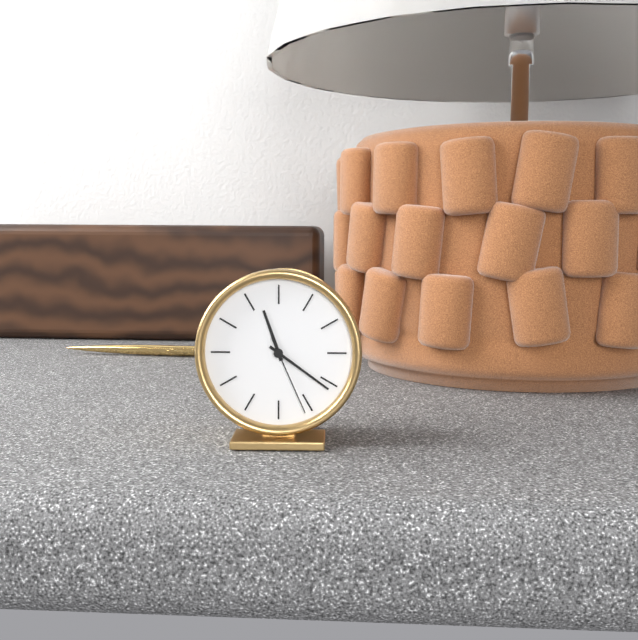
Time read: 11h21m26s
